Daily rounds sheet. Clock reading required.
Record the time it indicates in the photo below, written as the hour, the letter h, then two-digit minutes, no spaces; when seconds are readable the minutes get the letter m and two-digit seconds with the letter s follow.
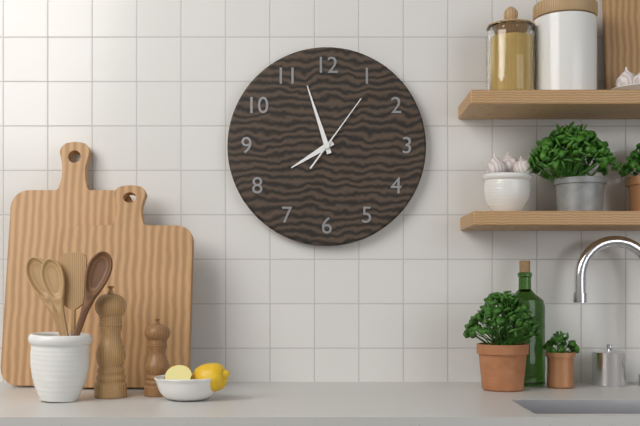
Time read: 7h57m06s
